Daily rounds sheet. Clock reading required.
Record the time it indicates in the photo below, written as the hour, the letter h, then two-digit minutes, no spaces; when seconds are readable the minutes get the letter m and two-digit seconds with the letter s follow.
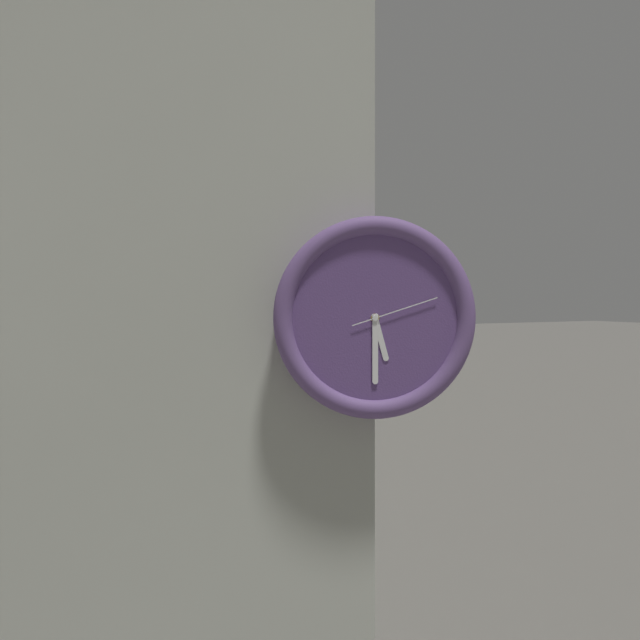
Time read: 5h30m12s
